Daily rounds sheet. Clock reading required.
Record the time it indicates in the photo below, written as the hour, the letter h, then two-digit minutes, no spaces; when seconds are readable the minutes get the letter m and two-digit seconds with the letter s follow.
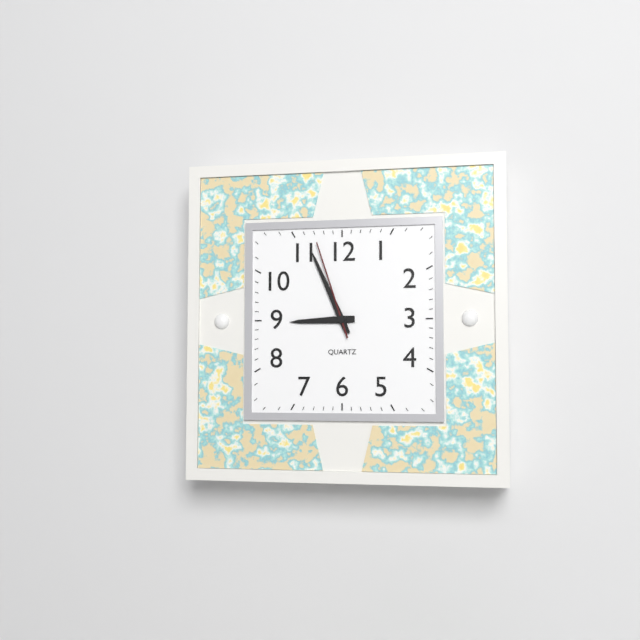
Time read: 8h56m57s
